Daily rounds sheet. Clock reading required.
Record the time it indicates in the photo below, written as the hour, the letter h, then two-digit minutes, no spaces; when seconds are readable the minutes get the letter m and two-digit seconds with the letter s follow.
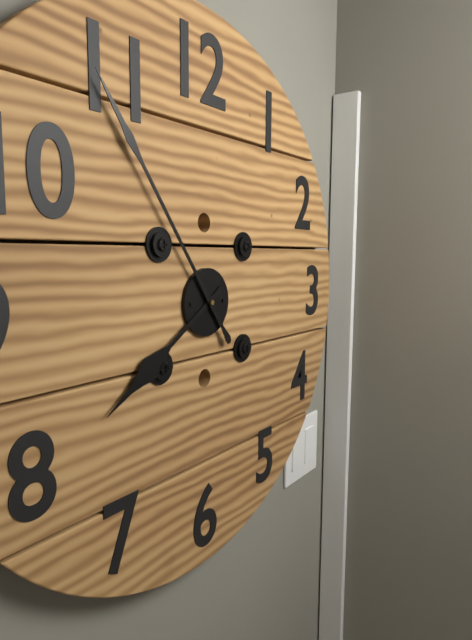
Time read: 7h54
